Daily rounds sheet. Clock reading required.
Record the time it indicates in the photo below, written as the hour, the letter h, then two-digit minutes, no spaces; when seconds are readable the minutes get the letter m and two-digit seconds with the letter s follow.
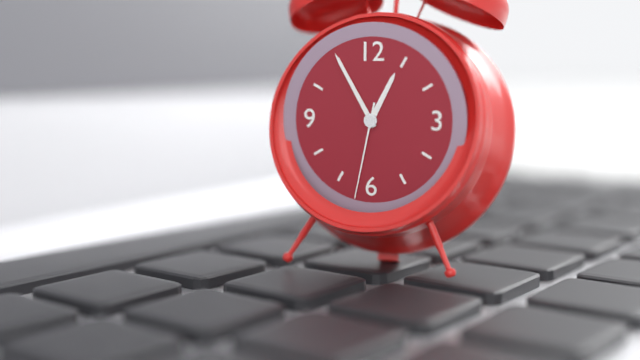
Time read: 12h55m32s
